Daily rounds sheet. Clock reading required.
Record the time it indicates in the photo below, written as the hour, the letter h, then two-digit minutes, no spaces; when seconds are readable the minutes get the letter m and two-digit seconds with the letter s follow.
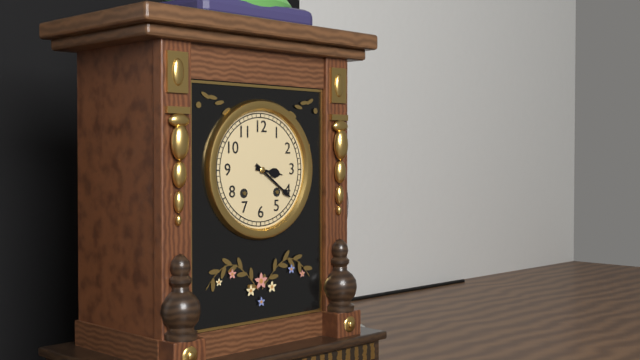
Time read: 3h21
